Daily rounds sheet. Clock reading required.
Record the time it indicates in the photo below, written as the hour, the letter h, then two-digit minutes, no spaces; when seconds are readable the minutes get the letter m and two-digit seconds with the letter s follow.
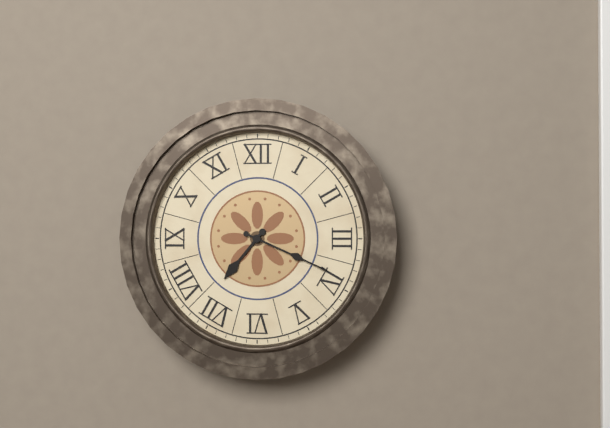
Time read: 7h19
